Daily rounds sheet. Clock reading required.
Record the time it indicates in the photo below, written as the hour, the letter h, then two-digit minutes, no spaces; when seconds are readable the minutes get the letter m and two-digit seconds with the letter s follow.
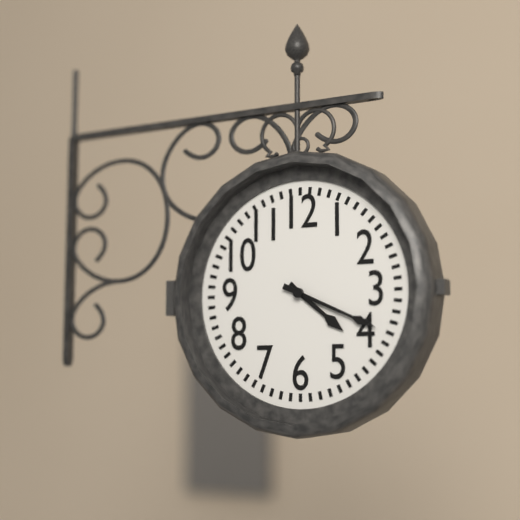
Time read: 4h19
